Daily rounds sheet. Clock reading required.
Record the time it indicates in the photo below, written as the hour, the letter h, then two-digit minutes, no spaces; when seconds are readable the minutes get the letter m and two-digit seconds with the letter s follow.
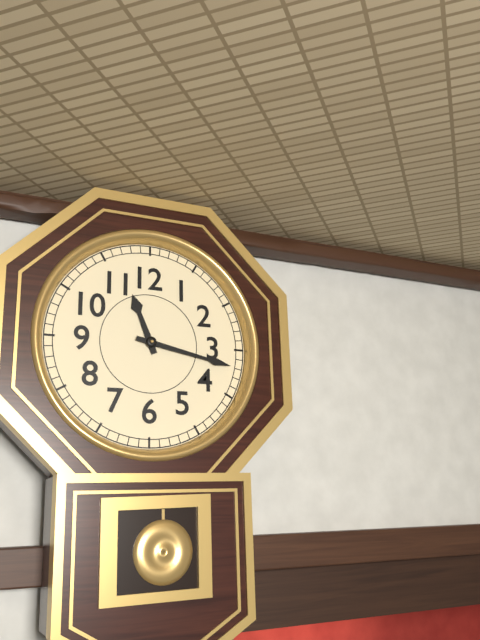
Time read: 11h17
